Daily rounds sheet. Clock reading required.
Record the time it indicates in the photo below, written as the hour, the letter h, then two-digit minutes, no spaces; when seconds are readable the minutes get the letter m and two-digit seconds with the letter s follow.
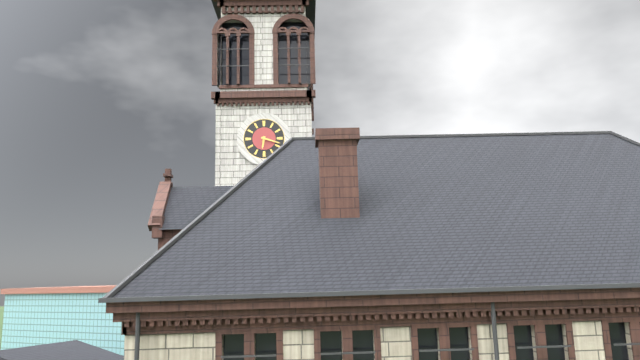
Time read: 6h18
